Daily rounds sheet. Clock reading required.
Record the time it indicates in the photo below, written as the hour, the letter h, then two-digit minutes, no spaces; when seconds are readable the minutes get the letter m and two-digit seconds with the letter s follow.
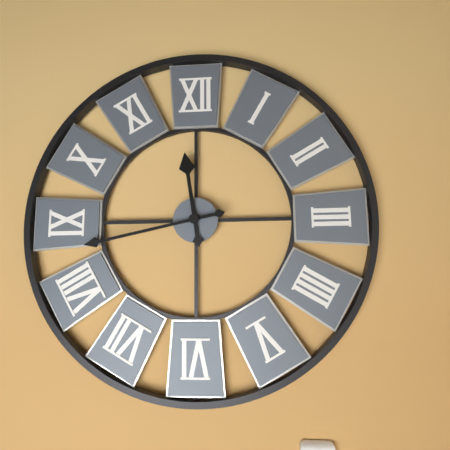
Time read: 11h43
